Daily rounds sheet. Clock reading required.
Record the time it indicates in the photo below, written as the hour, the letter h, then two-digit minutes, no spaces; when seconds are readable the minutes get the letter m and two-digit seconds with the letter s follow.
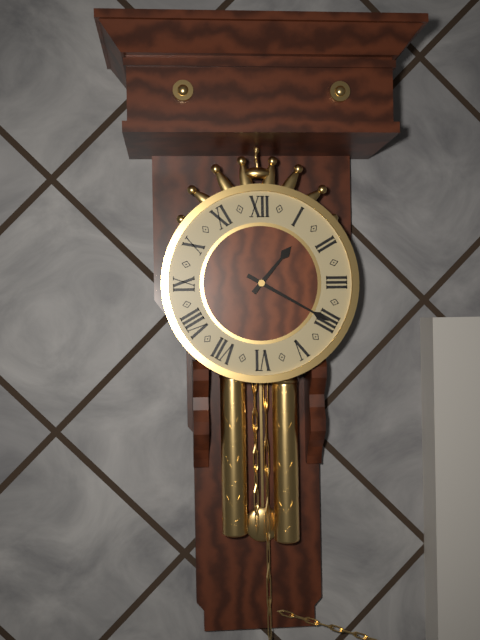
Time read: 1h20
